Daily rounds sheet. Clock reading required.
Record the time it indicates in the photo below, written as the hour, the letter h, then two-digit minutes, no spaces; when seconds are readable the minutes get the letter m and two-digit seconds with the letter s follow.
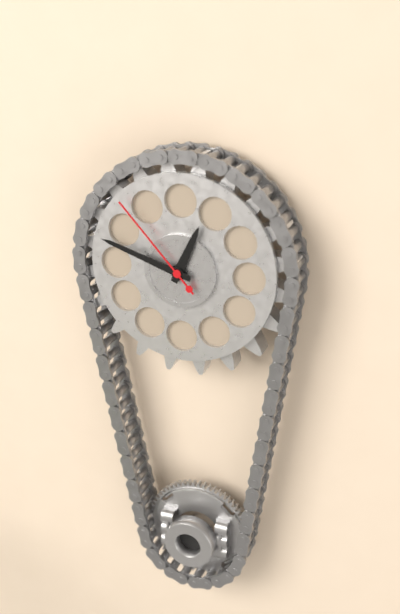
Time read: 12h48m53s
